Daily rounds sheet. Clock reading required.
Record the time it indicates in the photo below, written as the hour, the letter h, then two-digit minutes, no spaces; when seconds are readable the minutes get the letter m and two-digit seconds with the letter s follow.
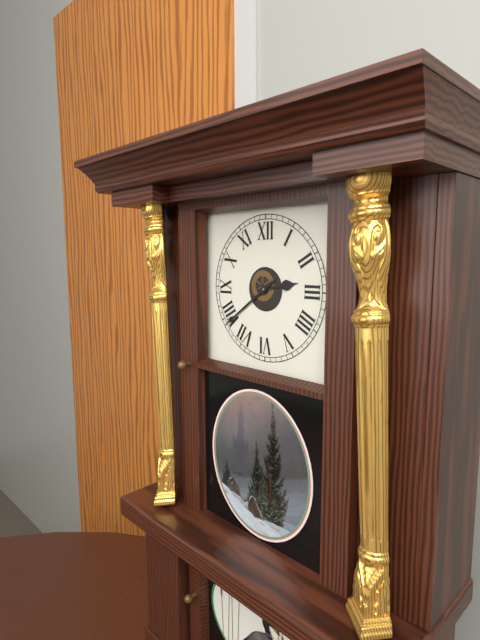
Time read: 2h39
